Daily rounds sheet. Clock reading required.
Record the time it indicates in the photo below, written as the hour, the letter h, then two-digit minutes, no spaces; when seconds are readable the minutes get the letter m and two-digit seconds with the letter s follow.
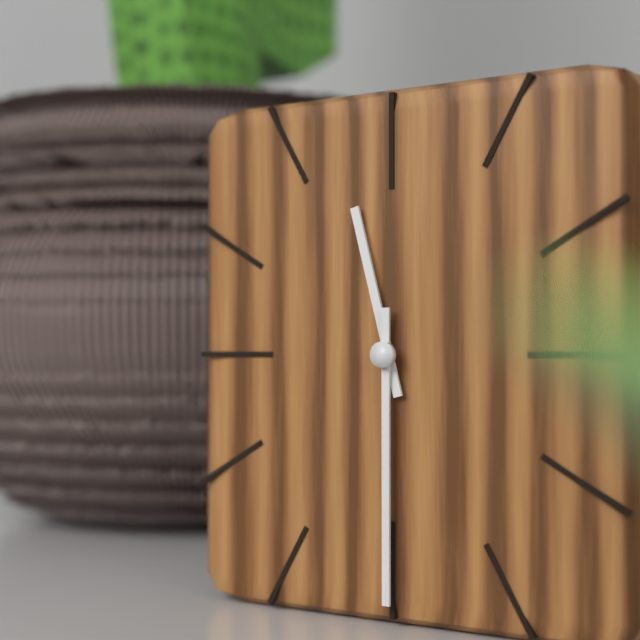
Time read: 11h30
